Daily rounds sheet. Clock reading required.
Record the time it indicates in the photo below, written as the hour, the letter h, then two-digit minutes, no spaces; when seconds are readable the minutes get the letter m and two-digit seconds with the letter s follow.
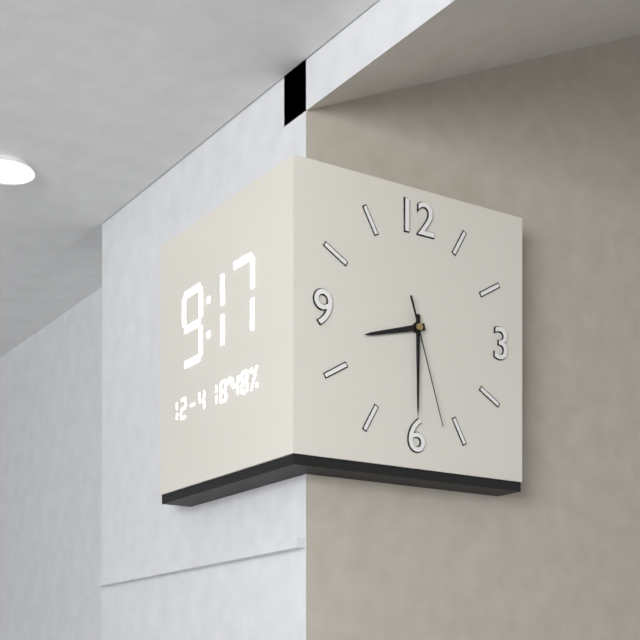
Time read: 8h30m27s
